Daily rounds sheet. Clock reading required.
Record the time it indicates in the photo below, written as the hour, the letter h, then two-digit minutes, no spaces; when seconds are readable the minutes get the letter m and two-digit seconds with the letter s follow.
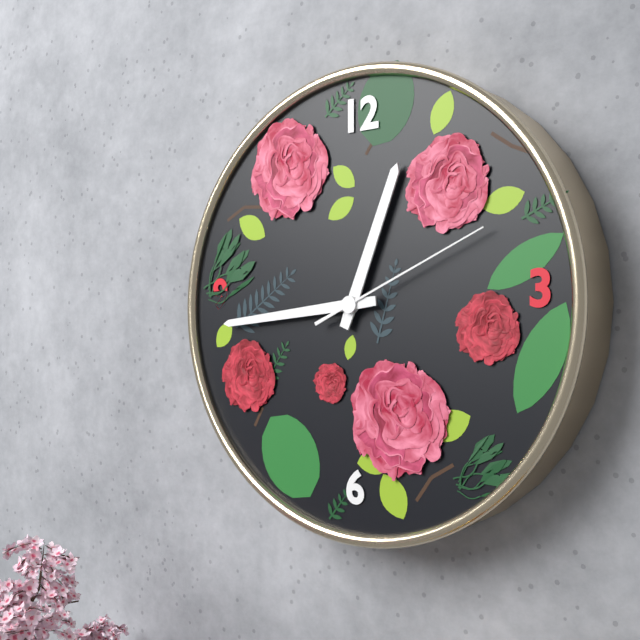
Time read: 12h44m11s
